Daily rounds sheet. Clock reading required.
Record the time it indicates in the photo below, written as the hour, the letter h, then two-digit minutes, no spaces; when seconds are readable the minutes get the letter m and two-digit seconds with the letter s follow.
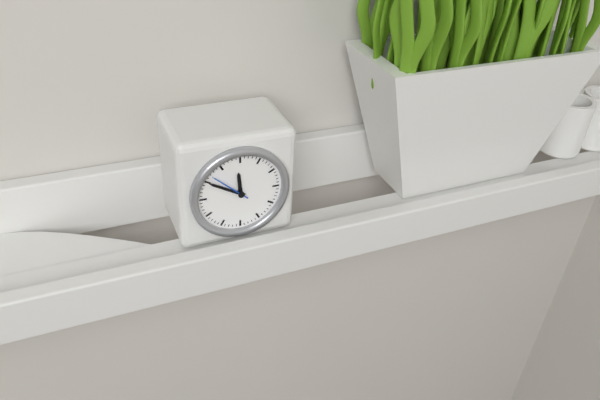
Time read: 11h50
